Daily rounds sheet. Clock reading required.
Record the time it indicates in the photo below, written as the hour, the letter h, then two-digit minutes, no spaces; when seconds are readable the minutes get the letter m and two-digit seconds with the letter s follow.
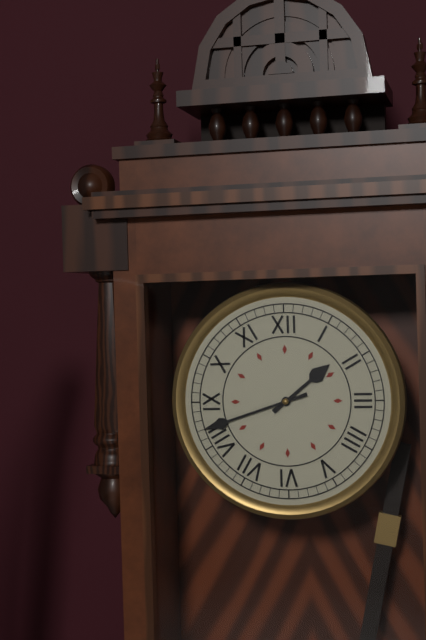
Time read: 1h42
